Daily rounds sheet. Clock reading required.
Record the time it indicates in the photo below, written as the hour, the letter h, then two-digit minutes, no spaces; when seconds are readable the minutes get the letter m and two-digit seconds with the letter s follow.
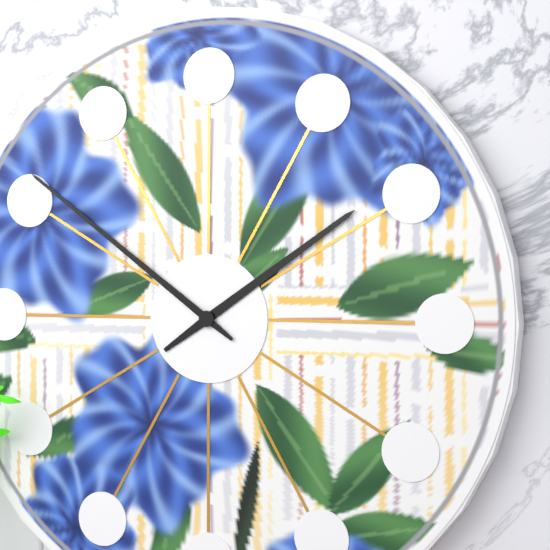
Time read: 1h51
